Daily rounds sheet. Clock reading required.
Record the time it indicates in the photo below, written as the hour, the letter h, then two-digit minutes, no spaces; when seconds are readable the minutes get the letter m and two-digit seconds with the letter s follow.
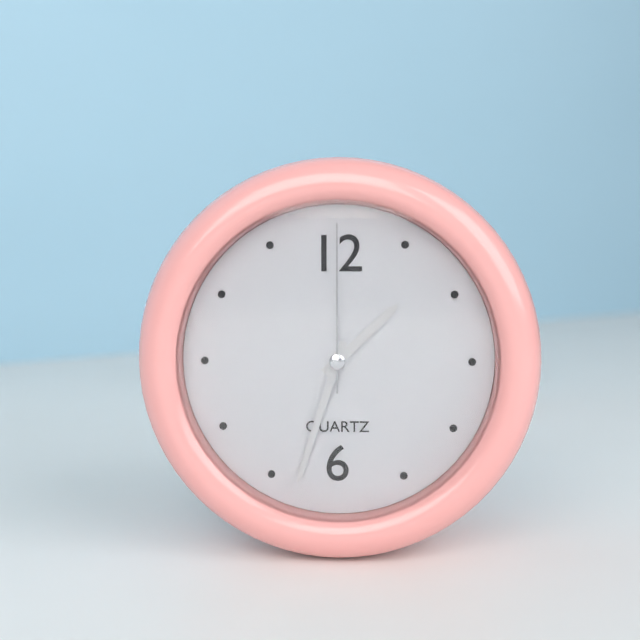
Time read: 1h33m00s
